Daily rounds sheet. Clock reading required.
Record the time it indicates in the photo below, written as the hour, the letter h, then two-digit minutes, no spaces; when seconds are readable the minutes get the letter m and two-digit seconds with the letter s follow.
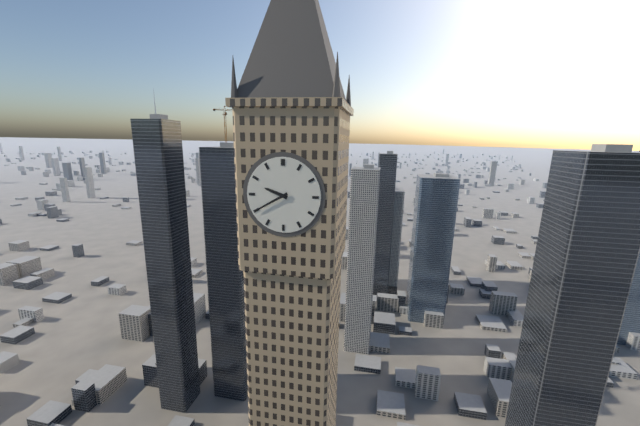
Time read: 9h40
